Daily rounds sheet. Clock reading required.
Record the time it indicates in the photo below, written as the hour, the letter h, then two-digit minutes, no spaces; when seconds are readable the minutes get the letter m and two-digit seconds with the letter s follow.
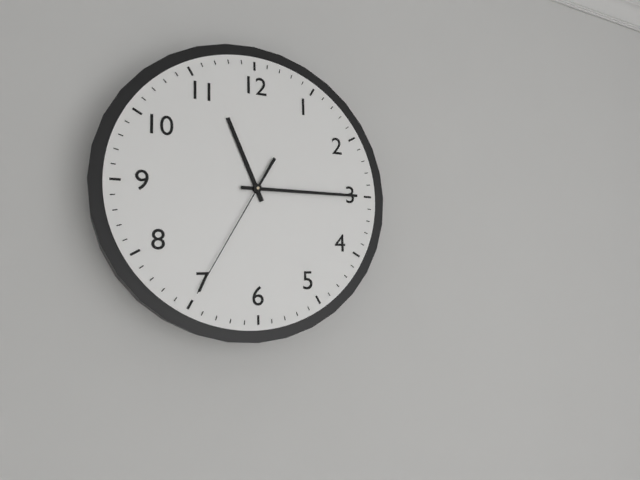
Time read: 11h15m35s
